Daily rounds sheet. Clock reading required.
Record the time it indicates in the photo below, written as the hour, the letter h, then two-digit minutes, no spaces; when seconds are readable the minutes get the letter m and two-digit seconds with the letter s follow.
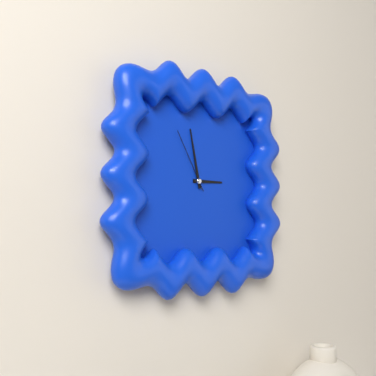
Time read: 2h58m55s
